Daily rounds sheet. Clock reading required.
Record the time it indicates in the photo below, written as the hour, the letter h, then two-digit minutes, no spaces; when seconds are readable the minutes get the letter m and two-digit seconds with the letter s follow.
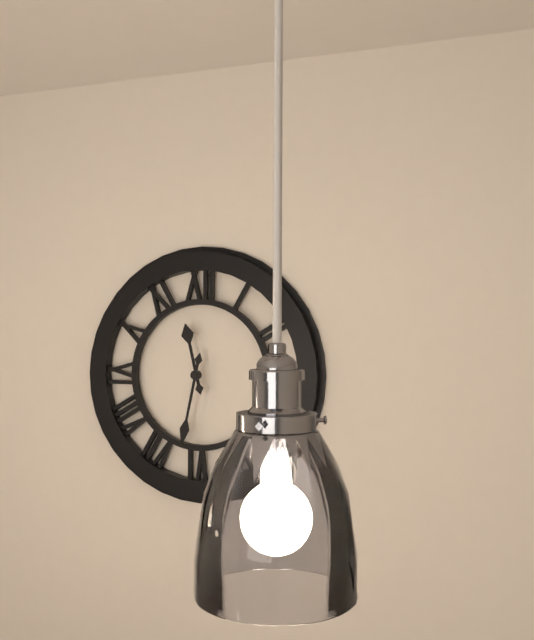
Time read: 11h32
